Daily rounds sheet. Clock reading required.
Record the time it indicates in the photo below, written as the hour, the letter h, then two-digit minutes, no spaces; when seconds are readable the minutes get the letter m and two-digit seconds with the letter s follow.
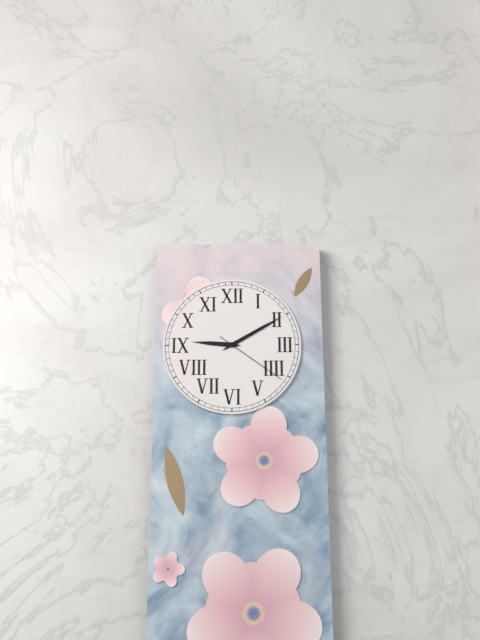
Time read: 9h10m21s
